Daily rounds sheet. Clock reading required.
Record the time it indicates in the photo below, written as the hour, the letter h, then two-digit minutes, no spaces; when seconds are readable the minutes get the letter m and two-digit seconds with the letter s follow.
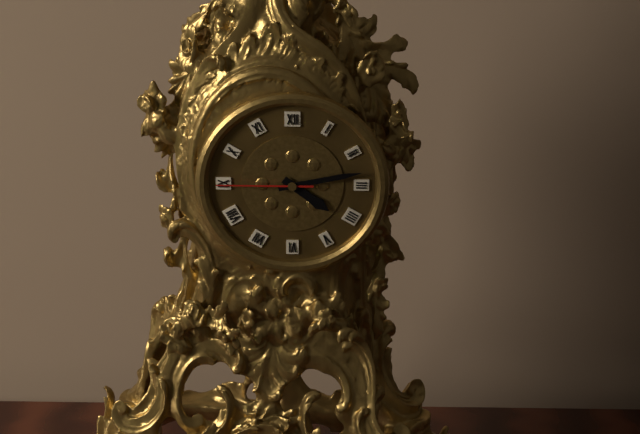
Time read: 4h13m45s
